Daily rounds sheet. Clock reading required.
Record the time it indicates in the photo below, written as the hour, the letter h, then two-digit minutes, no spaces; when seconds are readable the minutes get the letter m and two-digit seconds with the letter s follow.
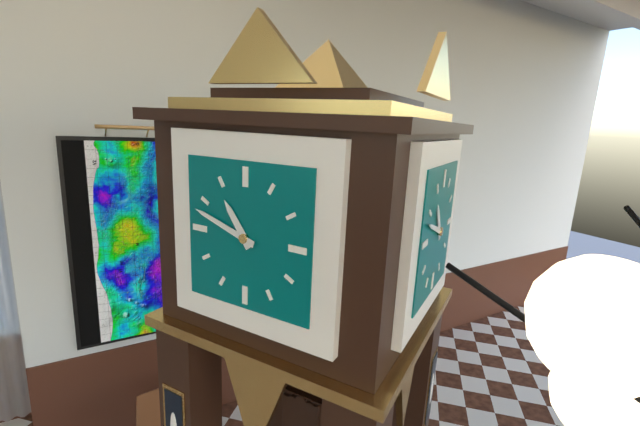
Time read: 10h48
